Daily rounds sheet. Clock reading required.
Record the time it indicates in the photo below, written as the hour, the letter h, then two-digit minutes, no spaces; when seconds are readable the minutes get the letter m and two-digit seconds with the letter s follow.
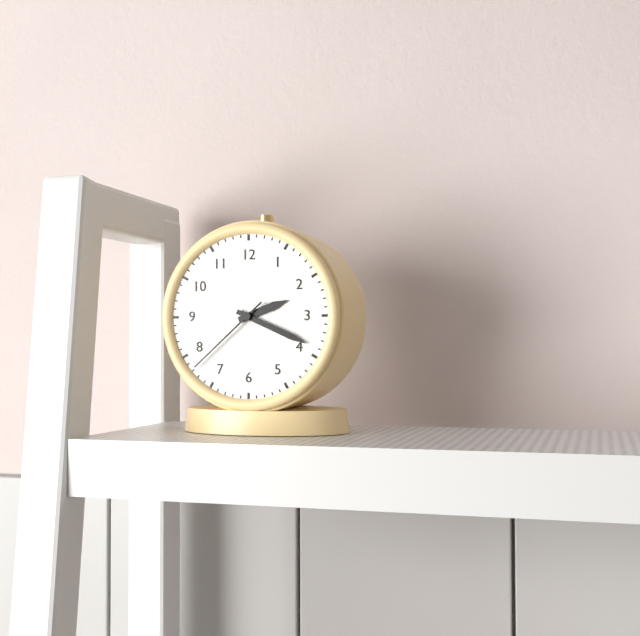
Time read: 2h19m38s
